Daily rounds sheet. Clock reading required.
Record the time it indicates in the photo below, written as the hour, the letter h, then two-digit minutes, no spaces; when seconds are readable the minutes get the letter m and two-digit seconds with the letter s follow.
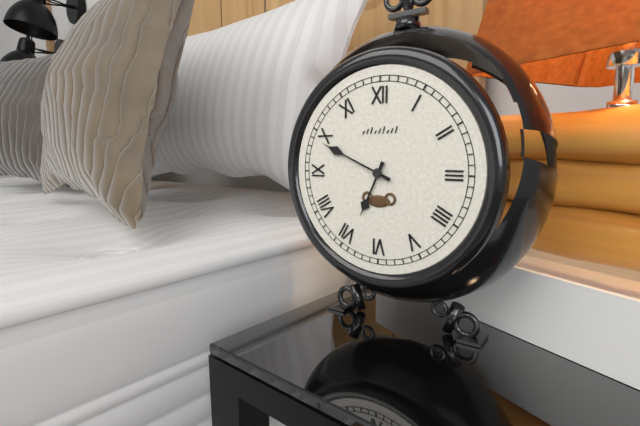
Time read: 6h49
